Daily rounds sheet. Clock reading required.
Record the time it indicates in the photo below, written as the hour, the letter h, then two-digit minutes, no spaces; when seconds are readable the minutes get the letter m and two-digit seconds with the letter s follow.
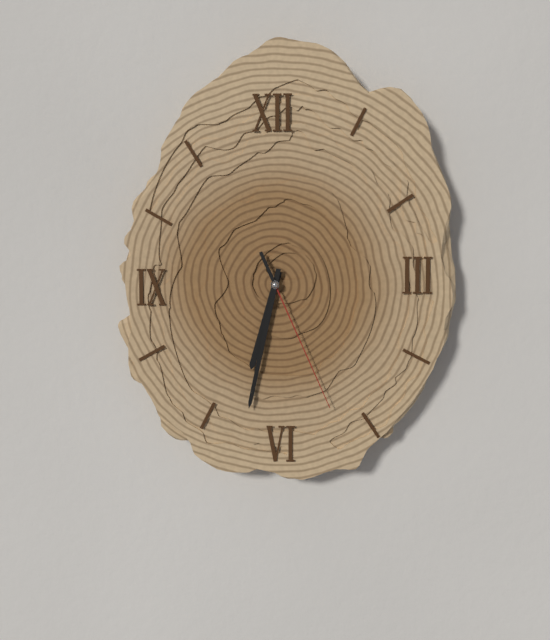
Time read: 6h32m26s
